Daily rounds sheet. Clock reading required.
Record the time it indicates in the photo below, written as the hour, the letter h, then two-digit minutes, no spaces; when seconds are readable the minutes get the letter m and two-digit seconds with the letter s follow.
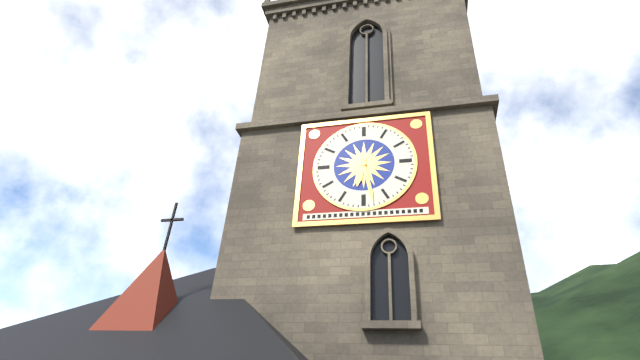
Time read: 6h28
